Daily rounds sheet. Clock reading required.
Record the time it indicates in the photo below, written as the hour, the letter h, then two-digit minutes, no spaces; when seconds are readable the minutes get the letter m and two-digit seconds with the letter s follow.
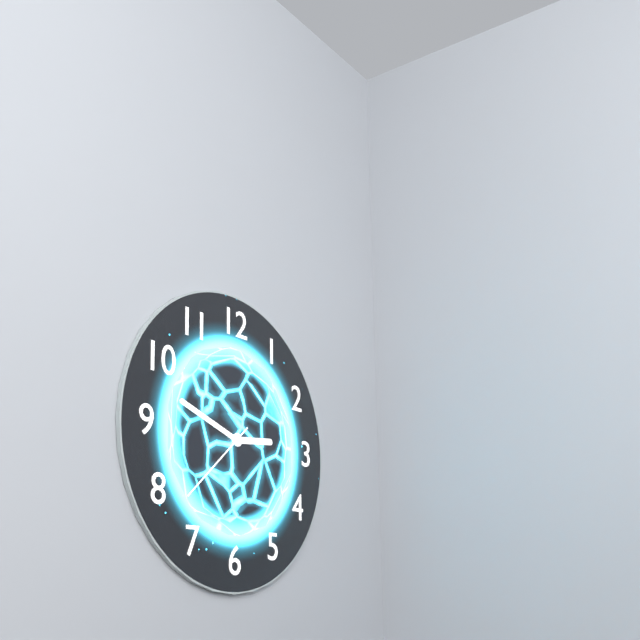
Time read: 2h48m38s
